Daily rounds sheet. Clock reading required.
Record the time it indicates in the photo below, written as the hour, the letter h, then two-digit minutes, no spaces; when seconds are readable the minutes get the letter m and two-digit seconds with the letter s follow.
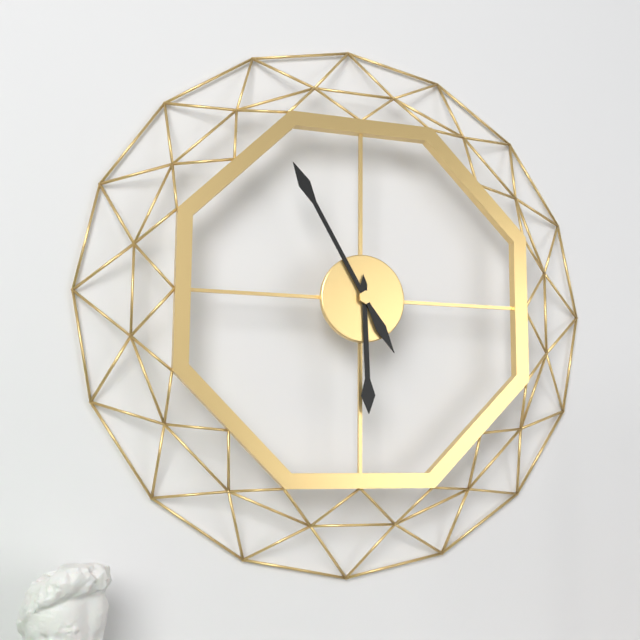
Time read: 5h55
